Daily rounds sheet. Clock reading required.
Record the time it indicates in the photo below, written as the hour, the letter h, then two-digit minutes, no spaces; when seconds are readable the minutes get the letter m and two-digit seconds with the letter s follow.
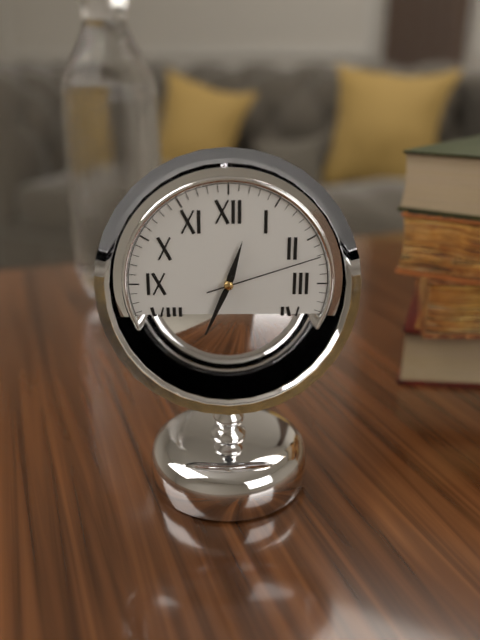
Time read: 12h34m12s
